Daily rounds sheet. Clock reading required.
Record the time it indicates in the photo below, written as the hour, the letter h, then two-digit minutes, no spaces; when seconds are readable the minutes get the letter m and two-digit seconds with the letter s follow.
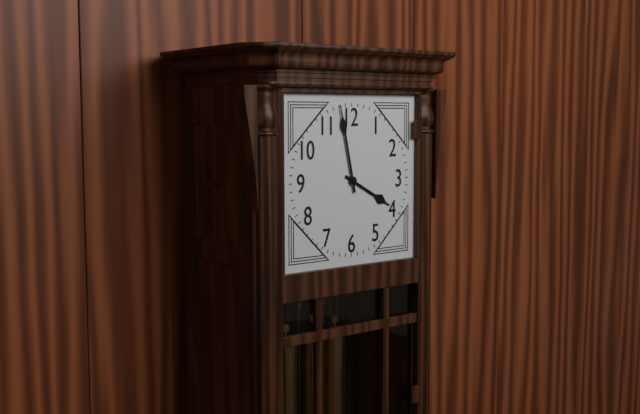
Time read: 3h58
